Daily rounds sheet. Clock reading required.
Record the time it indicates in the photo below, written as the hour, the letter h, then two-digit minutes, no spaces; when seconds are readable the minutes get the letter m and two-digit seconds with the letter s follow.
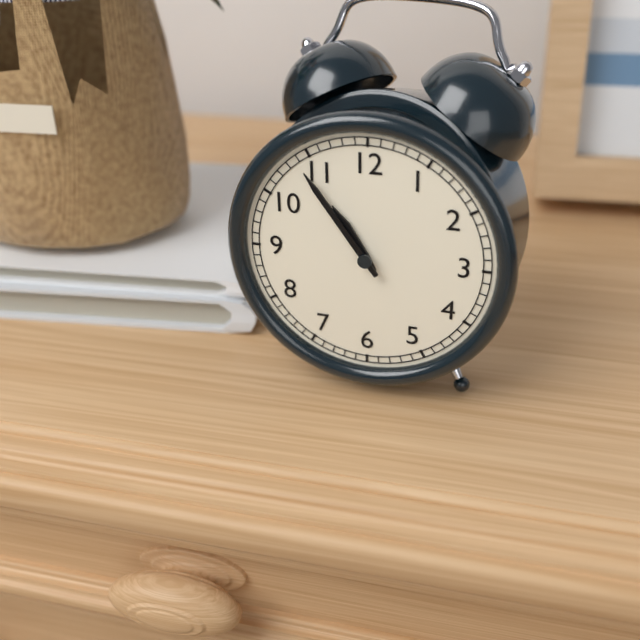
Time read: 10h54
